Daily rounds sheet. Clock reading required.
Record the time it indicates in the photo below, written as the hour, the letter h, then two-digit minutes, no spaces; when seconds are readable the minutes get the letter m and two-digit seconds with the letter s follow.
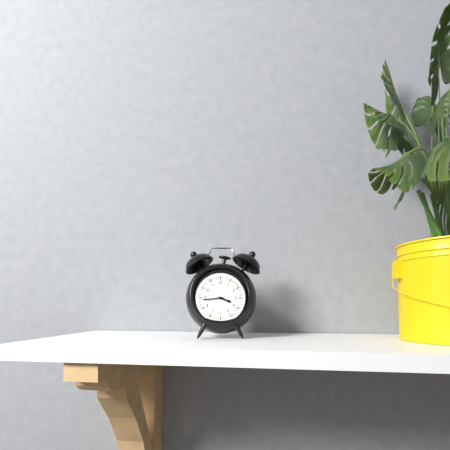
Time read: 3h44
